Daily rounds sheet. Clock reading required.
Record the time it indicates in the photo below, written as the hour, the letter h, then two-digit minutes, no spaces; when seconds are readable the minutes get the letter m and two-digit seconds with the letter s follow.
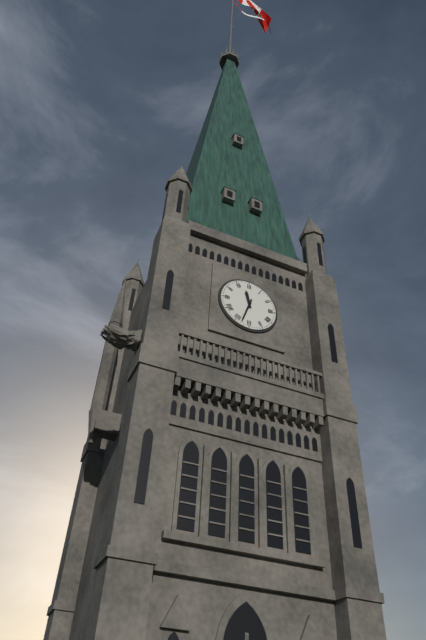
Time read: 11h33
